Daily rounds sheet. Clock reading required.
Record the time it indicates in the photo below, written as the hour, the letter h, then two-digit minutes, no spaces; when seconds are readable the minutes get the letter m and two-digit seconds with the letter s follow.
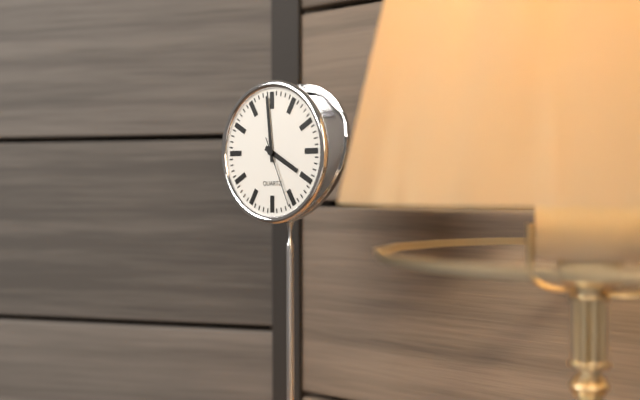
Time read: 3h59m26s
